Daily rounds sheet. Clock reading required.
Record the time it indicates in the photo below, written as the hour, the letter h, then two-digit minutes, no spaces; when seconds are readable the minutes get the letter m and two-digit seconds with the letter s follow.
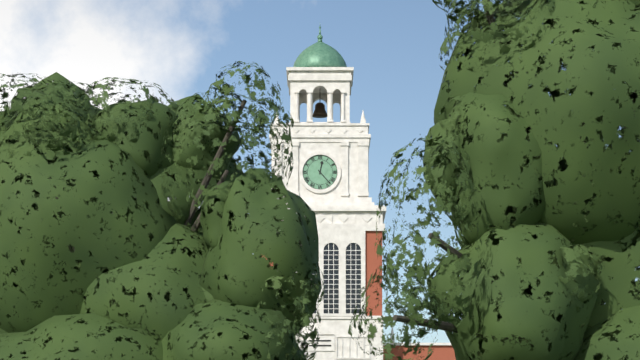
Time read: 12h23
